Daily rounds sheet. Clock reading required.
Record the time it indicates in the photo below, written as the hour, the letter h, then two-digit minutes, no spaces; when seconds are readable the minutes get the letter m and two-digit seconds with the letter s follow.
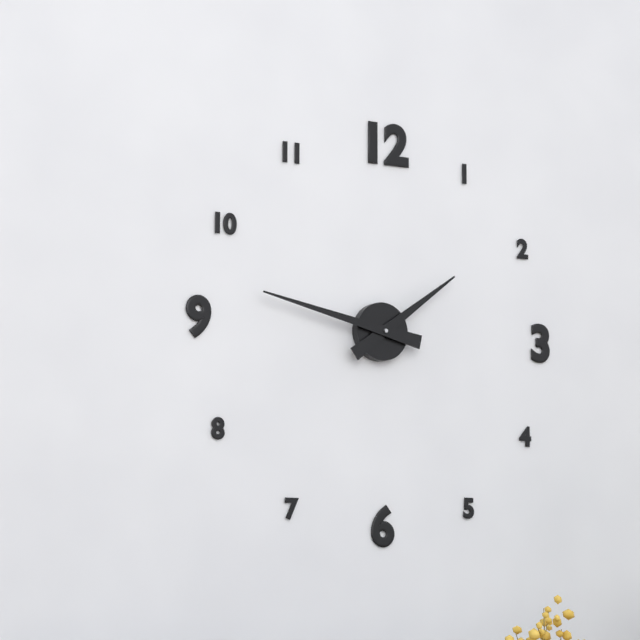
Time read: 1h47
